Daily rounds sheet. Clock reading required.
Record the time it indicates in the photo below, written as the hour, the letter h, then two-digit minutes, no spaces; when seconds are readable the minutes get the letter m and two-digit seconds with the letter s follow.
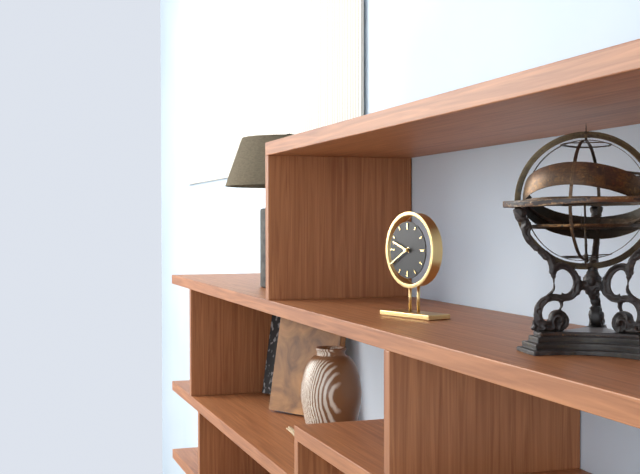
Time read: 9h40
